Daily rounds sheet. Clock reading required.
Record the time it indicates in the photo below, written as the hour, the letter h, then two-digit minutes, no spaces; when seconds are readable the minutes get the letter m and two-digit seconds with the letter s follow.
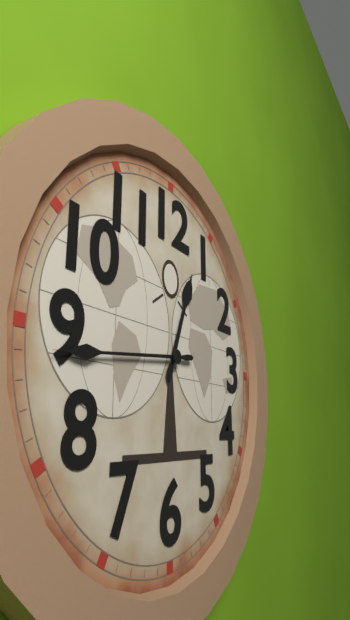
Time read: 12h44
